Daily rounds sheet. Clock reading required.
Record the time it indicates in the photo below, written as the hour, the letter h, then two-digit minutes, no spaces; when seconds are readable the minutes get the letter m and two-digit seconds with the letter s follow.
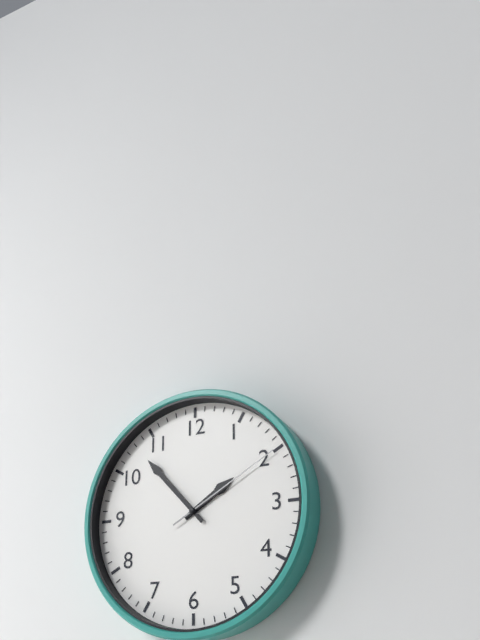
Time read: 1h53m10s
